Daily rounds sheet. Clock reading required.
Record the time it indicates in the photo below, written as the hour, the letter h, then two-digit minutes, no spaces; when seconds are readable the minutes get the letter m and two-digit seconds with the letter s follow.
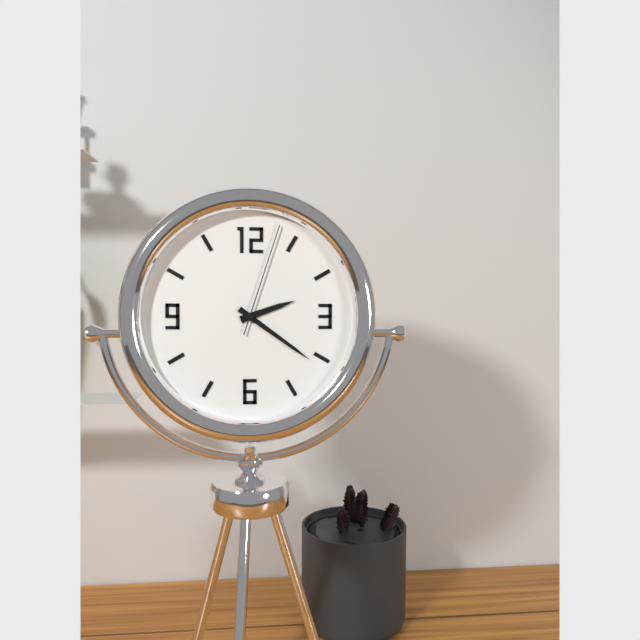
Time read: 2h21m03s
